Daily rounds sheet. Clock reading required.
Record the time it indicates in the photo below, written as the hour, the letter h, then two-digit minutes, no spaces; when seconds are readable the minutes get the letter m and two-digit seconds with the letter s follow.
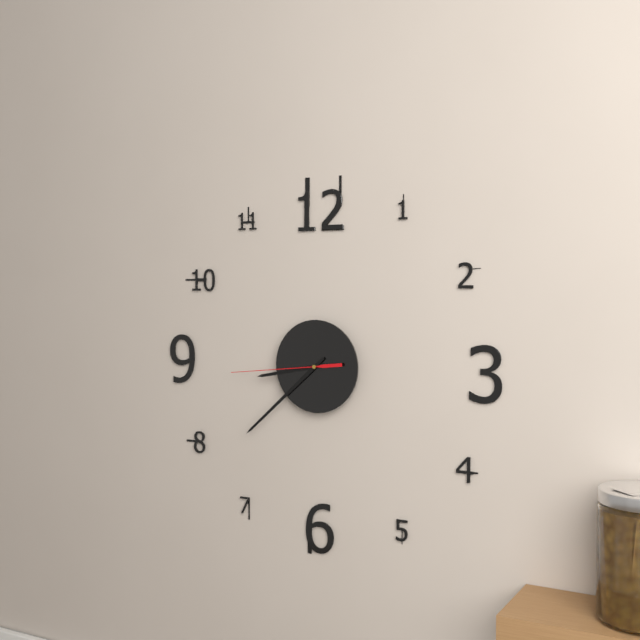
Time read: 8h38m44s
